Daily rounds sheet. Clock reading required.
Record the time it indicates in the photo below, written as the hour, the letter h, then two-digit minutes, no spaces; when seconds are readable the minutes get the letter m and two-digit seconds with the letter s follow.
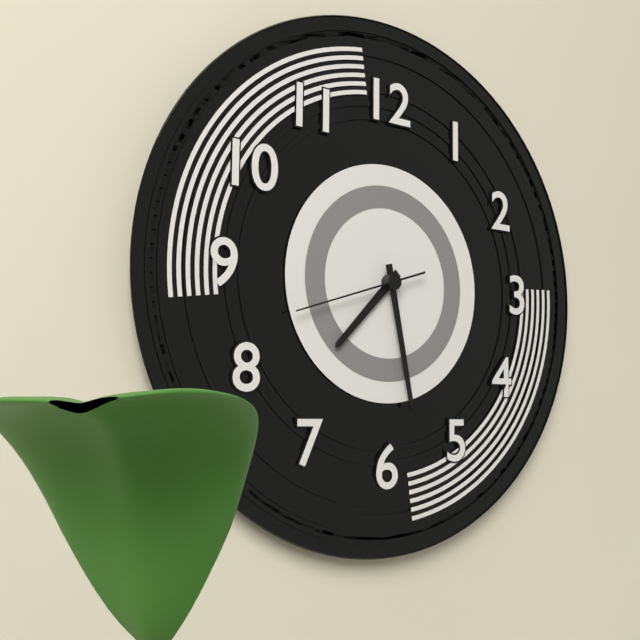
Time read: 7h28m42s
